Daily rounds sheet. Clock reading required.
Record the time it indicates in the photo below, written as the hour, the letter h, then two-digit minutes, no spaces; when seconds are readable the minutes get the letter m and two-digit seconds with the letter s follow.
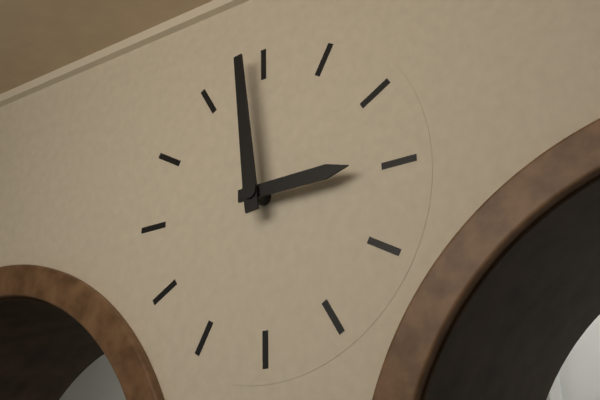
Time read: 2h59
